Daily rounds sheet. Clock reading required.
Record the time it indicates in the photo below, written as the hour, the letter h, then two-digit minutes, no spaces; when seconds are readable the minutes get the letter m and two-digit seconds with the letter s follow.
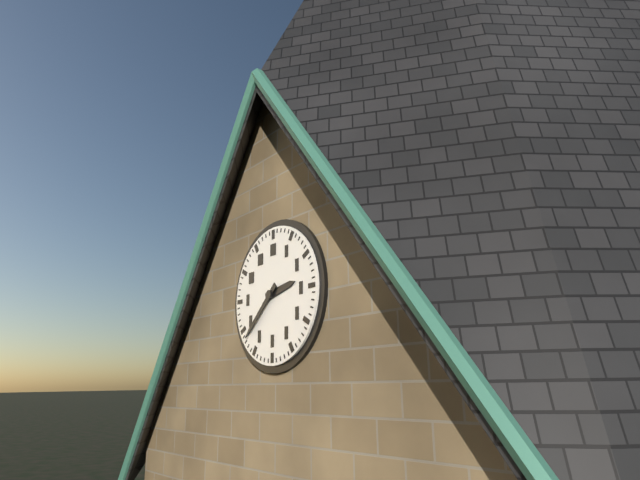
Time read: 2h38
